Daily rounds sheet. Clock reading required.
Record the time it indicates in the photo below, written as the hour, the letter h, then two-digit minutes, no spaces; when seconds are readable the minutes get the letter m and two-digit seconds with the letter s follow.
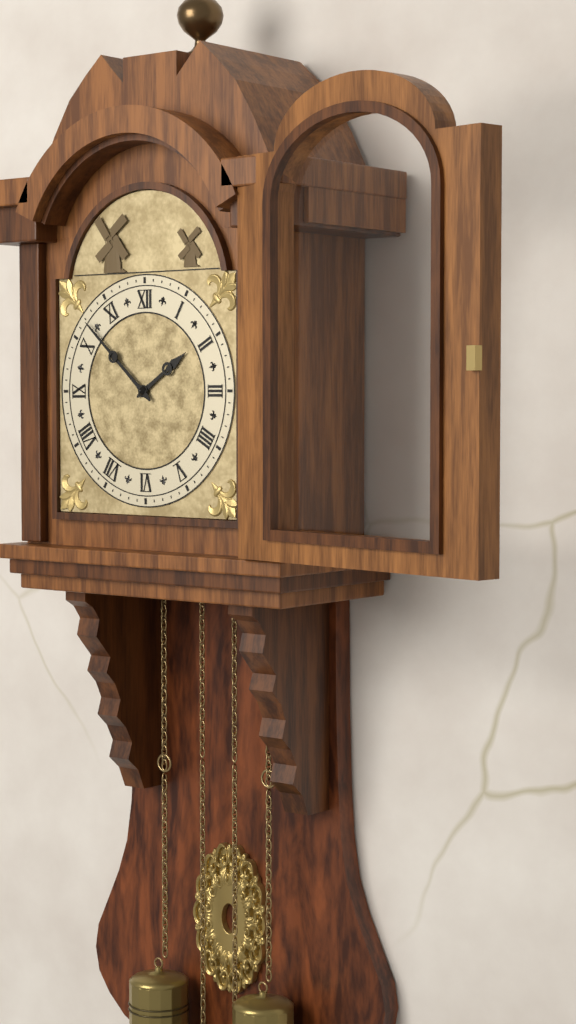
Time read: 1h52
